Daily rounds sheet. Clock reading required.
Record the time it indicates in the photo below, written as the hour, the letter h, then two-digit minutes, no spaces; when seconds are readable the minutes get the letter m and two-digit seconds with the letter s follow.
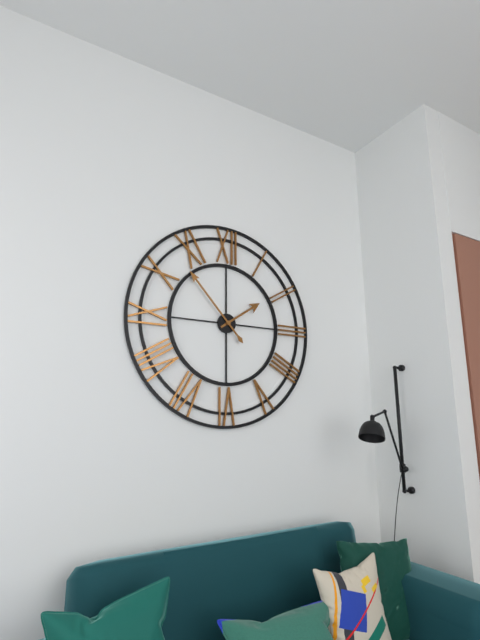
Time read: 1h53
